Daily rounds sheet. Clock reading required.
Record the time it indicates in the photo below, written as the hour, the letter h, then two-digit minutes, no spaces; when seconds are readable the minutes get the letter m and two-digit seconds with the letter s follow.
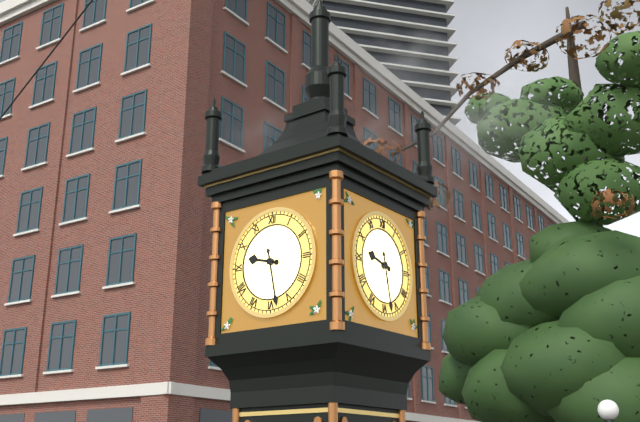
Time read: 9h28
